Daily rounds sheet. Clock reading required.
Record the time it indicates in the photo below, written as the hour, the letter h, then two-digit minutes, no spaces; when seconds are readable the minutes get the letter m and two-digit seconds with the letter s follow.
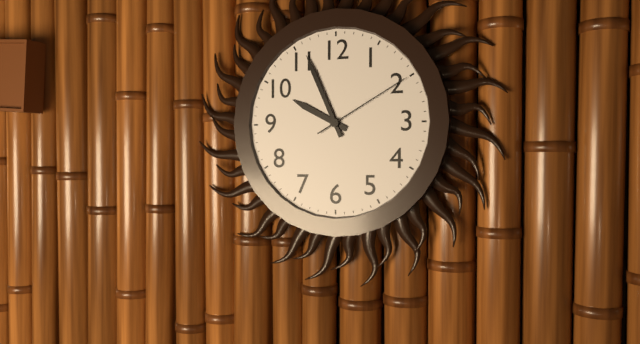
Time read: 9h56m10s
